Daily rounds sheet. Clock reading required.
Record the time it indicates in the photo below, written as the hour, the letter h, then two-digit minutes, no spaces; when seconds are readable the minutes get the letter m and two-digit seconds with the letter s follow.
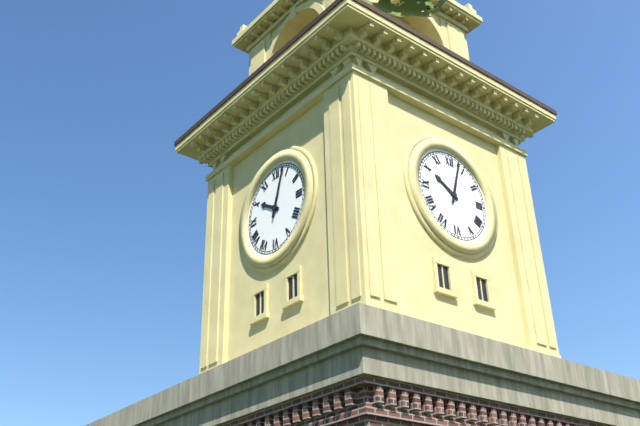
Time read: 10h03
